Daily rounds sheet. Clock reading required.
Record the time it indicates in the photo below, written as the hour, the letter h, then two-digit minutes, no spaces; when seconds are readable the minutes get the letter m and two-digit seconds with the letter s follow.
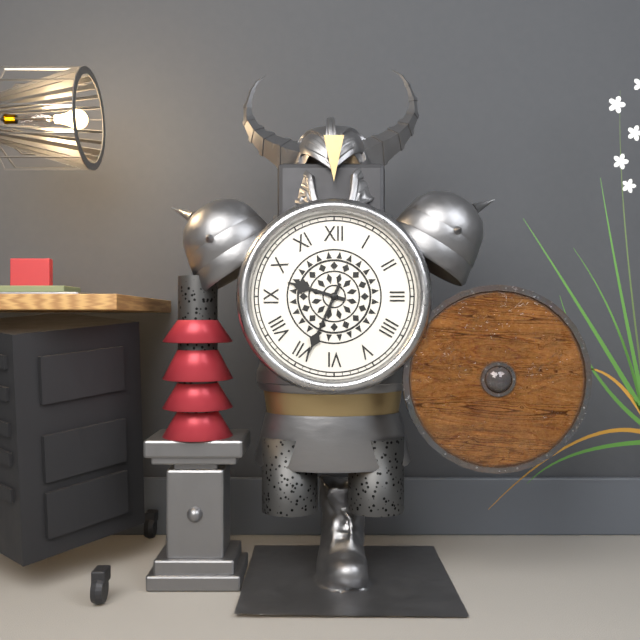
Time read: 9h34
